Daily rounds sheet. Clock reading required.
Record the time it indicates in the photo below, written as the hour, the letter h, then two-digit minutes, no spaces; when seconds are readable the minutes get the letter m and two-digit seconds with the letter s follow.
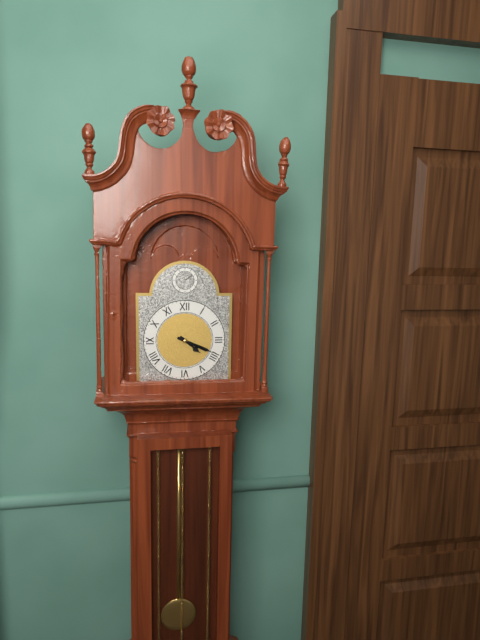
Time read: 4h19
